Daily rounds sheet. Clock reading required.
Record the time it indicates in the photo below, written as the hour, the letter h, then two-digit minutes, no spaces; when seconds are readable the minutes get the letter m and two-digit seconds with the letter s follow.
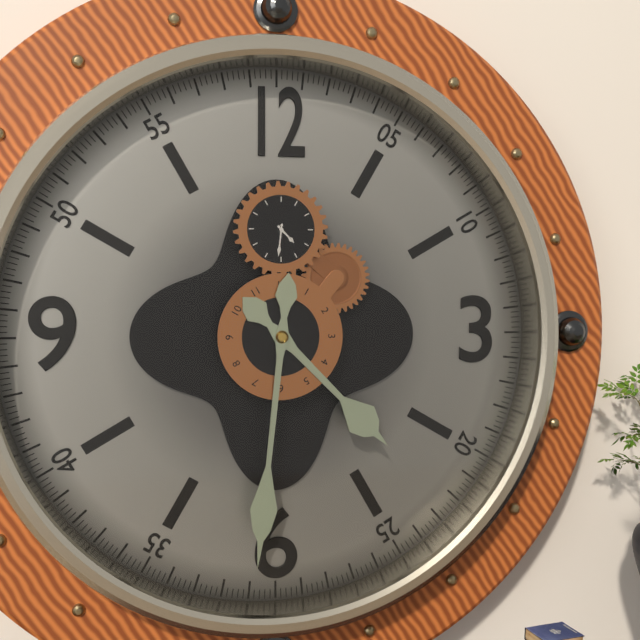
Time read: 4h31
